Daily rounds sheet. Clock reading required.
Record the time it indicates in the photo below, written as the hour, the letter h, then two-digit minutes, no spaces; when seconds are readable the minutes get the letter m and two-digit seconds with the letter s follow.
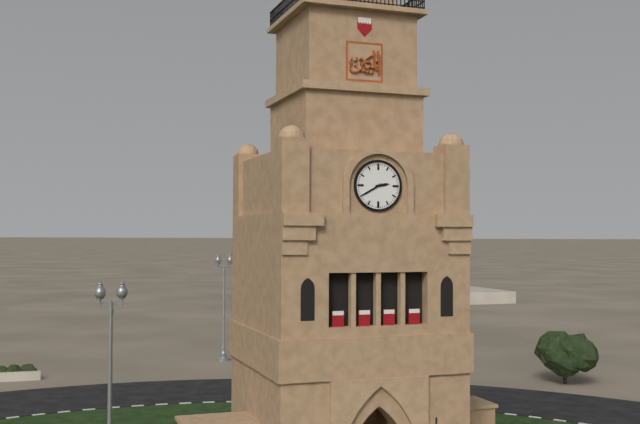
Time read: 2h40
